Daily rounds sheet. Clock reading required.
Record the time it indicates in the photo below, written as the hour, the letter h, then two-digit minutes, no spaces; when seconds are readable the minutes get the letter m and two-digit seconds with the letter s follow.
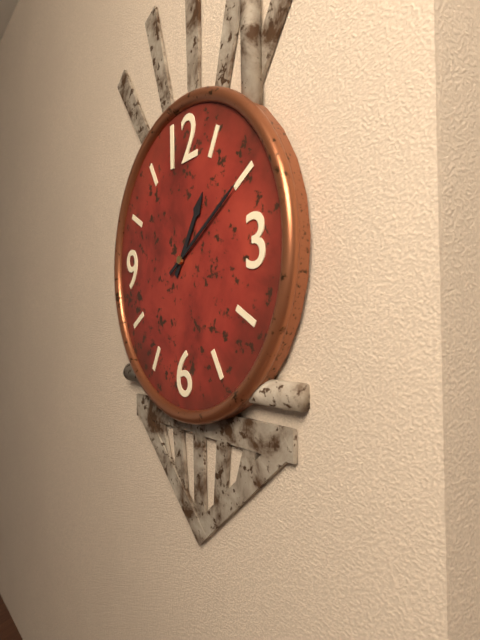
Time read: 1h10
